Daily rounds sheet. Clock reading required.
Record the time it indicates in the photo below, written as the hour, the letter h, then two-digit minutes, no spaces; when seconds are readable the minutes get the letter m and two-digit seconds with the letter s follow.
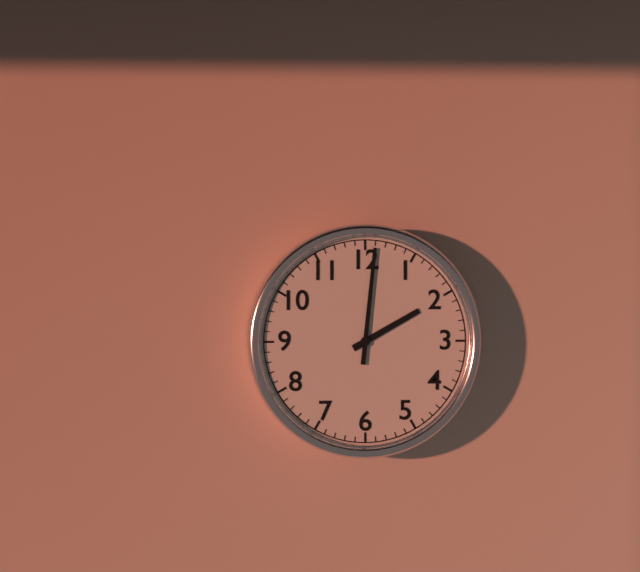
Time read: 2h01
